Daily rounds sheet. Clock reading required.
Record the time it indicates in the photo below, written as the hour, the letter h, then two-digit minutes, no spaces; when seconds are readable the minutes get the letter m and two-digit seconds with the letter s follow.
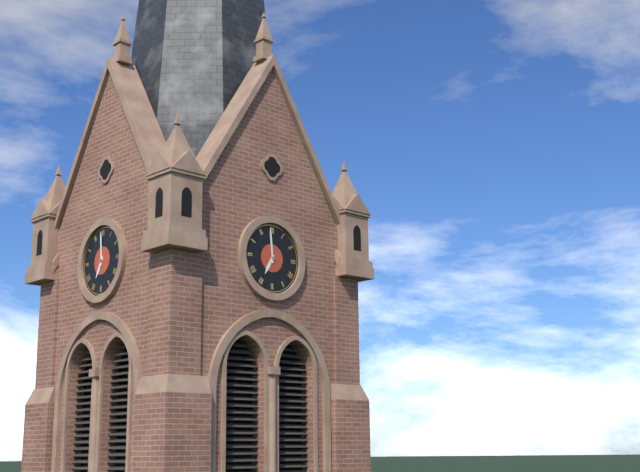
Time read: 6h59
